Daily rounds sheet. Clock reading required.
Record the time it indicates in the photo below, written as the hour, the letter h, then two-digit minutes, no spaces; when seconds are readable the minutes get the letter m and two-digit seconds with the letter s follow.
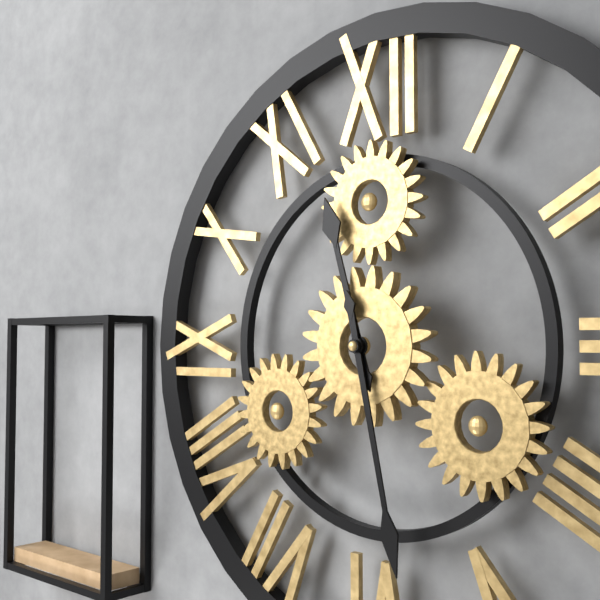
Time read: 11h28
